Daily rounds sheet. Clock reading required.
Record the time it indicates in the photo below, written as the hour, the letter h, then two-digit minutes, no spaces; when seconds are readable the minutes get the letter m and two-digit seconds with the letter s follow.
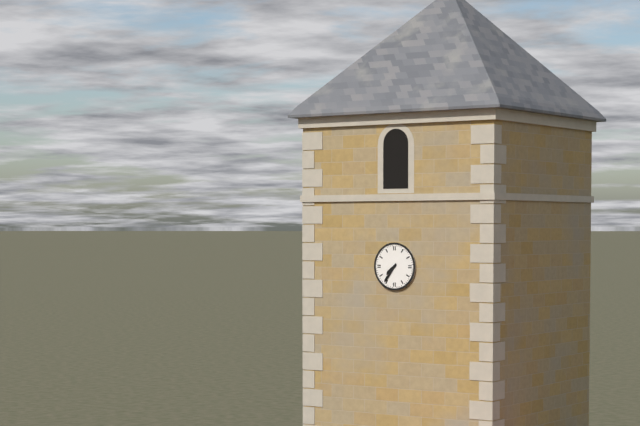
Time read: 7h36
